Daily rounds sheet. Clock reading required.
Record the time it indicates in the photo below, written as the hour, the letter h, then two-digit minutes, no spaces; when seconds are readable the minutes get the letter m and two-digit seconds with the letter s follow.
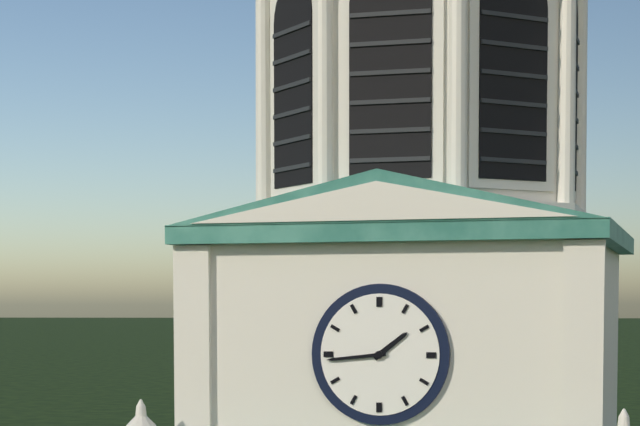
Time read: 1h44
